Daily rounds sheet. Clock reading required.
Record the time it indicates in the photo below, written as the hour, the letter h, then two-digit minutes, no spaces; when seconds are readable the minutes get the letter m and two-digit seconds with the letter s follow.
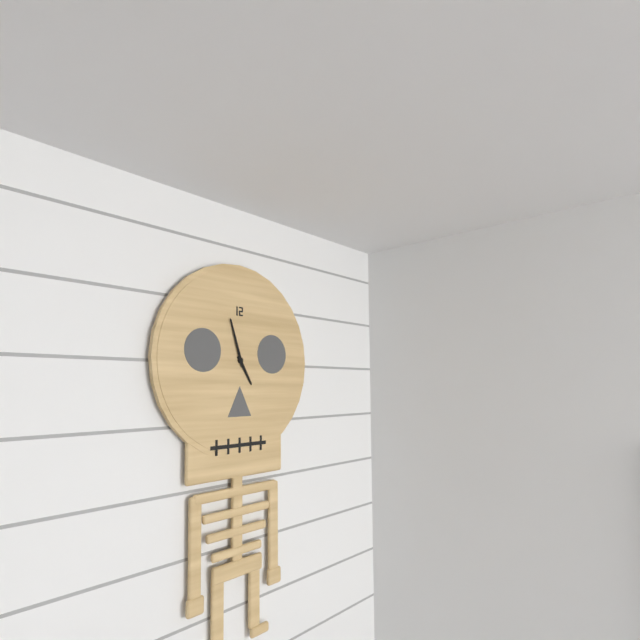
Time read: 4h57
